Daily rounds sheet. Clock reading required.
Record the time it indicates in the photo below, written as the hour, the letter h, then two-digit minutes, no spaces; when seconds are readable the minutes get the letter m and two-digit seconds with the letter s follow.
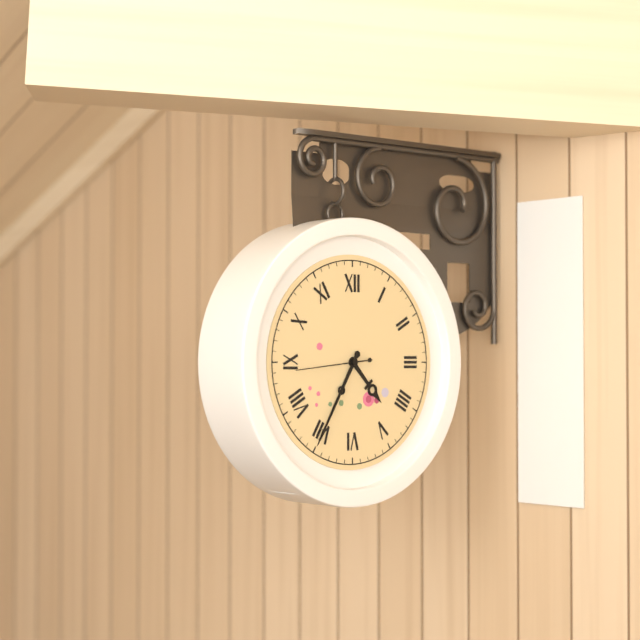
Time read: 4h35m44s
